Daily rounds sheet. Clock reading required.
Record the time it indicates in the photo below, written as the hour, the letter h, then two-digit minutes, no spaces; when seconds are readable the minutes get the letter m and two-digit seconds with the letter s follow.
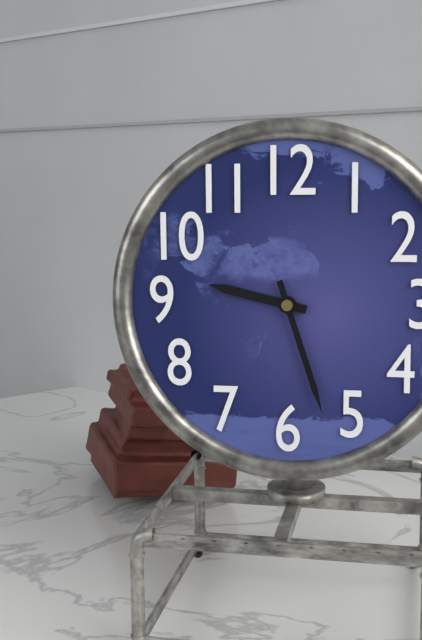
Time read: 9h27
